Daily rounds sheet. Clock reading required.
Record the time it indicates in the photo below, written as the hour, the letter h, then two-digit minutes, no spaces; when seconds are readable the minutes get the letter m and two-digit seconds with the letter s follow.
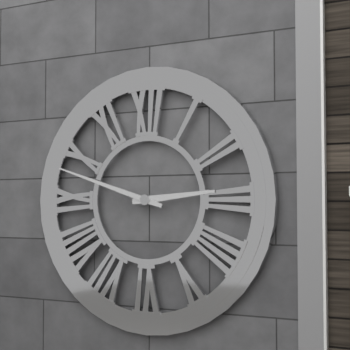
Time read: 2h48
